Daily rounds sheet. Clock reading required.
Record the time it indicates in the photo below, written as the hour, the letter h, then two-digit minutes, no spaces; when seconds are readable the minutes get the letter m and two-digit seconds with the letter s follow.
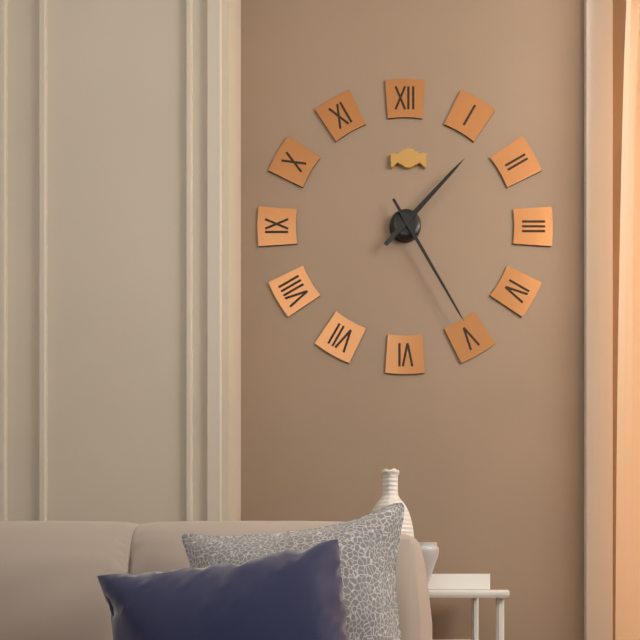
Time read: 1h25
